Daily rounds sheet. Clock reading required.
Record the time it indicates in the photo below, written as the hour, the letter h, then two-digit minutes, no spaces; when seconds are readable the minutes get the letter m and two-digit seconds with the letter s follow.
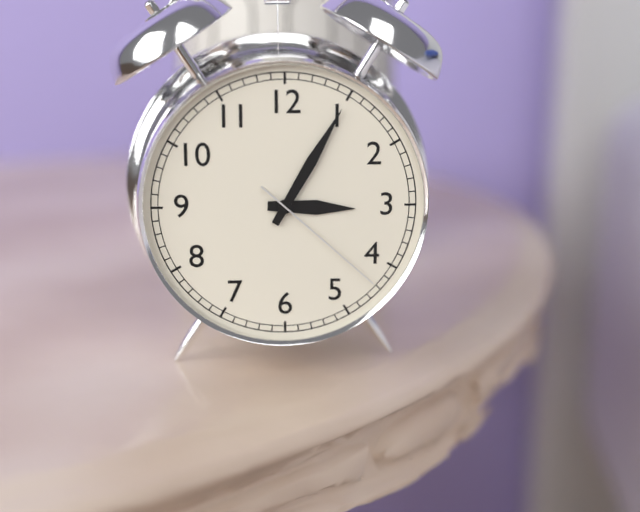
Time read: 3h05m22s
